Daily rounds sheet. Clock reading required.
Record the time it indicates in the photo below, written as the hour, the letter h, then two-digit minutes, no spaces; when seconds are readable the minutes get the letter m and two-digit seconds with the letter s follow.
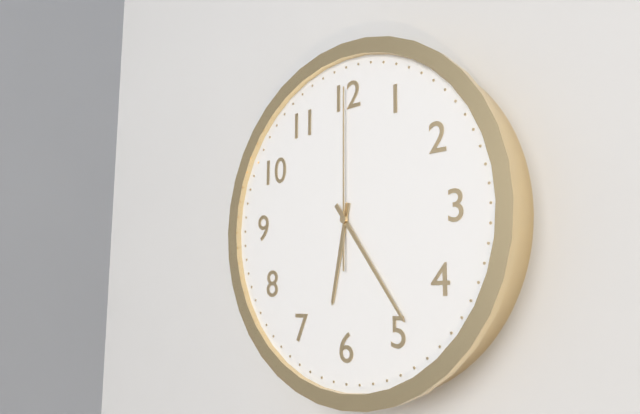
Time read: 6h24m00s
